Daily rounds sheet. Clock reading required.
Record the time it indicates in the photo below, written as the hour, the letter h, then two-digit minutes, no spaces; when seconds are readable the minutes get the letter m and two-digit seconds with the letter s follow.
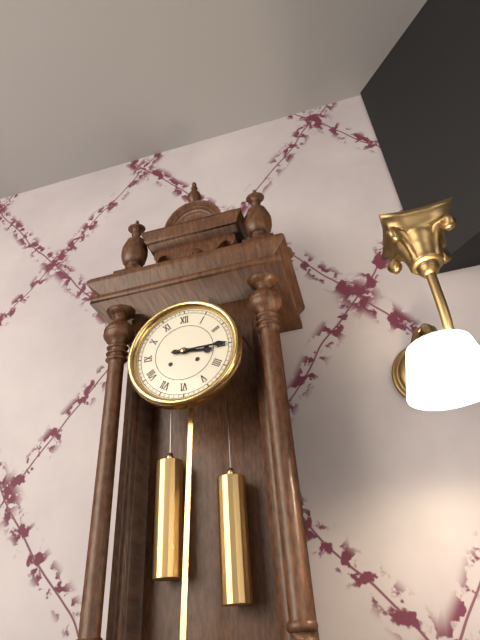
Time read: 3h15
